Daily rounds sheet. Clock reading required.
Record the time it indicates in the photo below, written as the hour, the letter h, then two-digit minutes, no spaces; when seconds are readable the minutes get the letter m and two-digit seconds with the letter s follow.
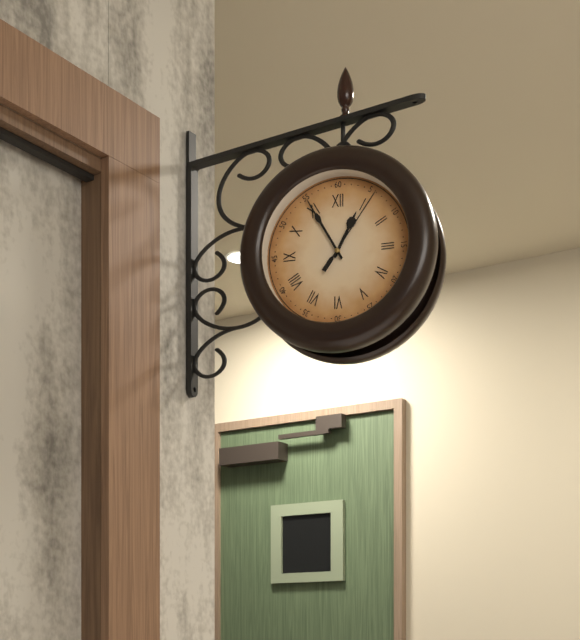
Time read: 12h55m06s
